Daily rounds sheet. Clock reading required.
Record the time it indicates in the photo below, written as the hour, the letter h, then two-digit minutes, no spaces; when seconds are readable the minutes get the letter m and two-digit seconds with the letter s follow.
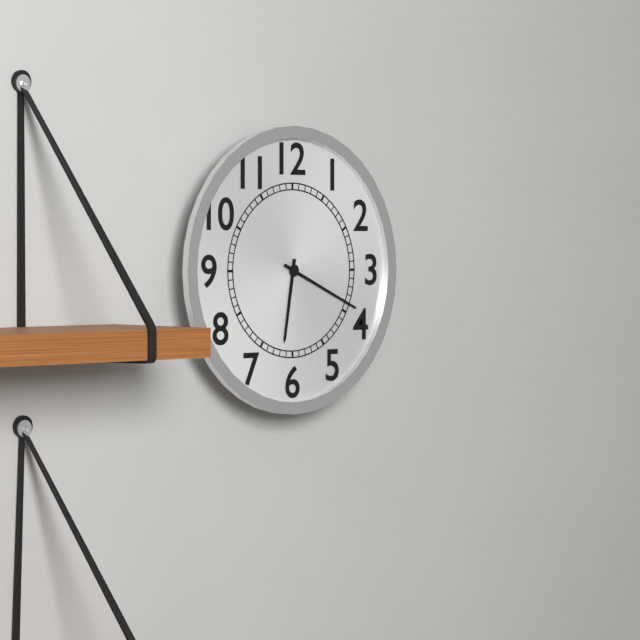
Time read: 6h19
